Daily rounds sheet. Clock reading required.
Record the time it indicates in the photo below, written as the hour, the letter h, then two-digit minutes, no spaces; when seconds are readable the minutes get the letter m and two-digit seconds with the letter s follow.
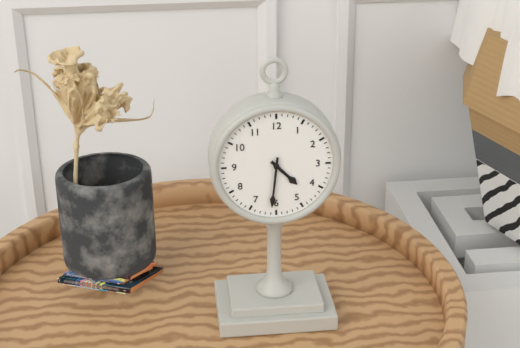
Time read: 4h31
